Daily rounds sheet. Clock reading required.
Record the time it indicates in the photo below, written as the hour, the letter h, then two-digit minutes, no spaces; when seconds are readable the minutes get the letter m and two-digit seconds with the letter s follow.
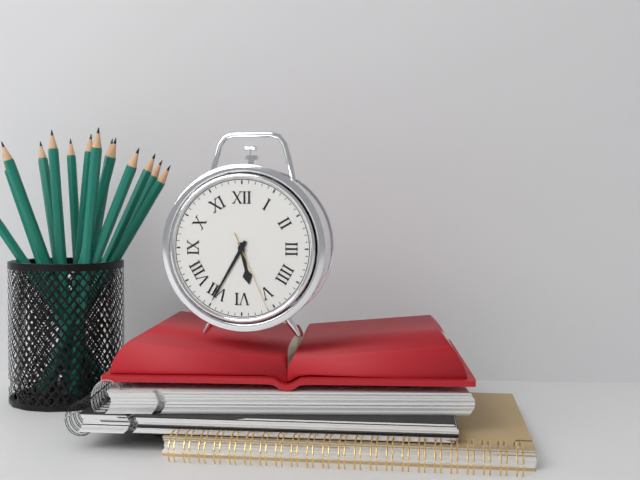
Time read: 5h35m26s
